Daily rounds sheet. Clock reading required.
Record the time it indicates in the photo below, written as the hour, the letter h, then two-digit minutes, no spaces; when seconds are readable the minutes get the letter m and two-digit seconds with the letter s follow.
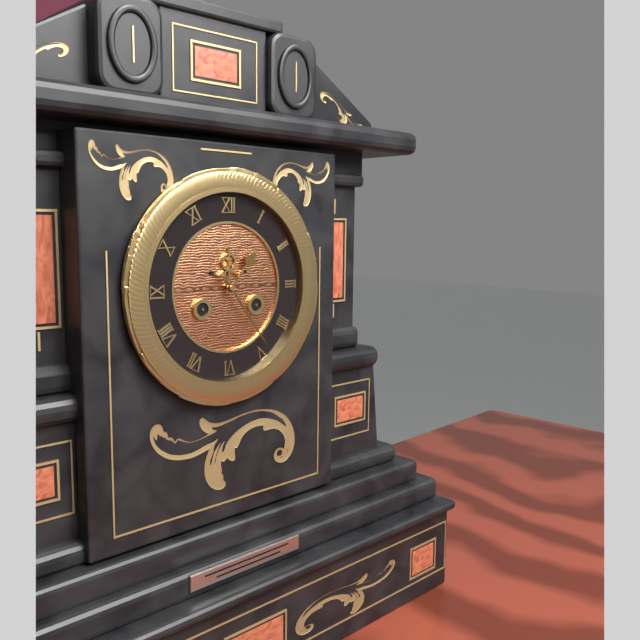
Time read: 1h24
